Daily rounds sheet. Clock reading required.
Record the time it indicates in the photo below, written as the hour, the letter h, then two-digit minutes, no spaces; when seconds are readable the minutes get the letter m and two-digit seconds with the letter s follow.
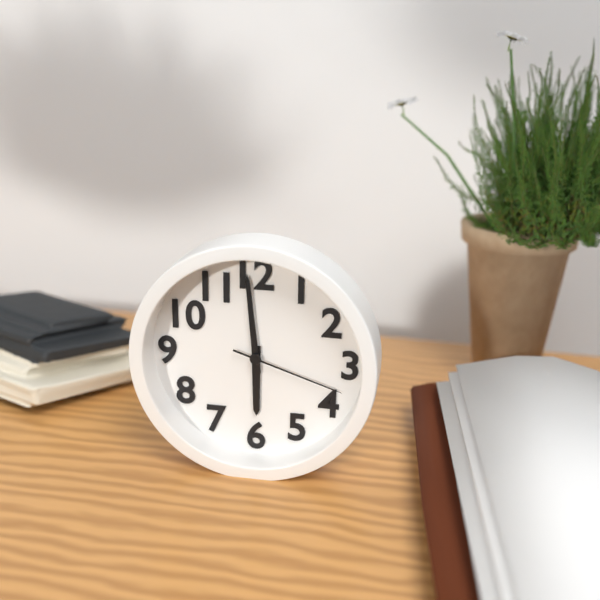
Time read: 5h59m18s
